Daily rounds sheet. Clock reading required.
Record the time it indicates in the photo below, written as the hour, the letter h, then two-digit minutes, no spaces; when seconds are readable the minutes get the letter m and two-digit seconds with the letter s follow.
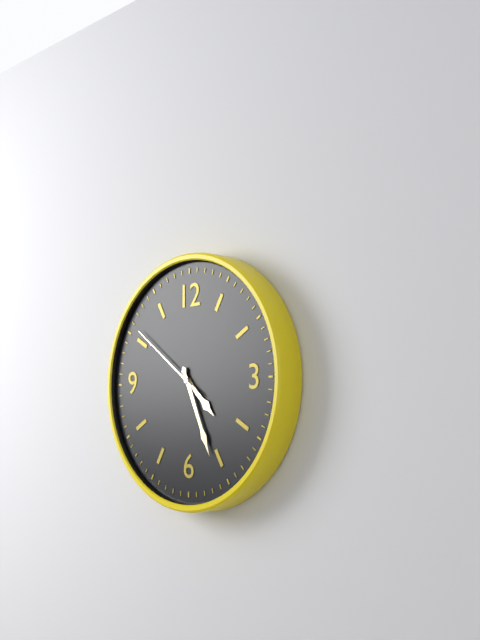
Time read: 4h26m51s
